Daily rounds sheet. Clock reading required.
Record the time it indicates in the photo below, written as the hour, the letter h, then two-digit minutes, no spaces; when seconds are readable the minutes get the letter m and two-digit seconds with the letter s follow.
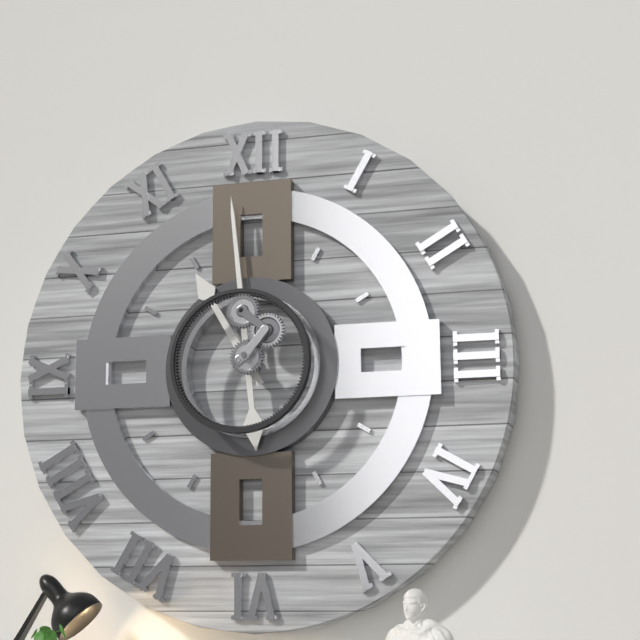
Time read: 10h59
